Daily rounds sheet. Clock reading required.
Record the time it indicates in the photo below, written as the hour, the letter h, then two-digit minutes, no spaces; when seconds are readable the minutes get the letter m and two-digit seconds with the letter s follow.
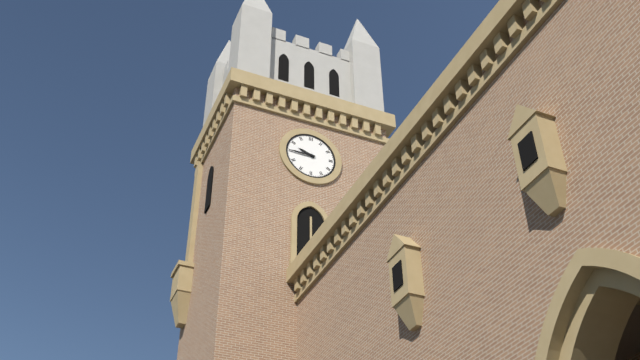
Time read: 9h45
